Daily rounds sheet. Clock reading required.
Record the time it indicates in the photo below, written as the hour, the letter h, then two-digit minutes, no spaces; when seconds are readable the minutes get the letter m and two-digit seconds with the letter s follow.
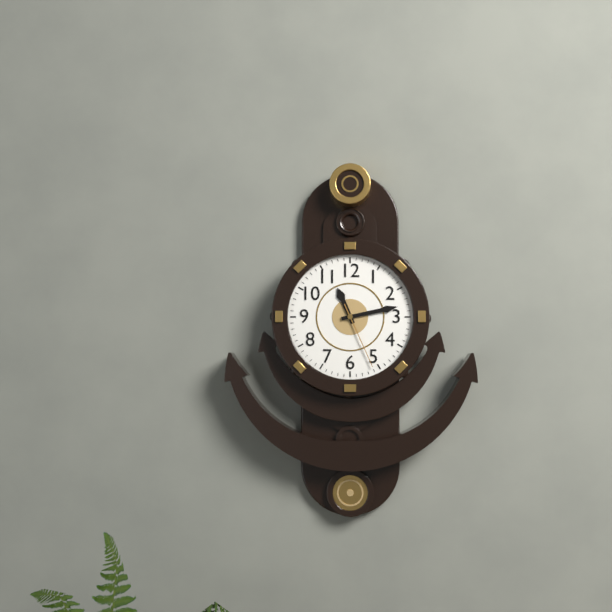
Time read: 11h13m26s
